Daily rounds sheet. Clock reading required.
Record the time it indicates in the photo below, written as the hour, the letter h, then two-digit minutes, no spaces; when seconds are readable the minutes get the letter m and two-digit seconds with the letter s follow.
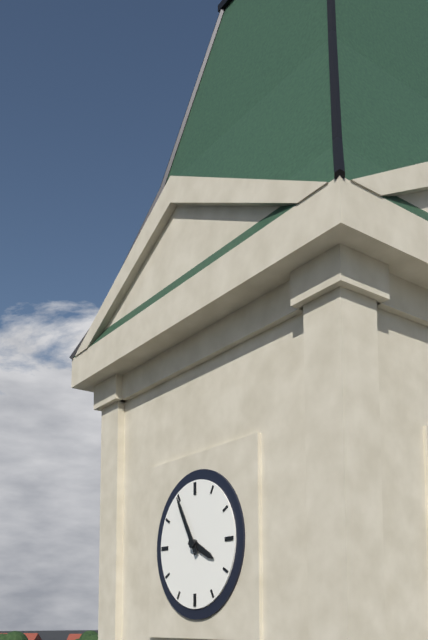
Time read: 3h55
